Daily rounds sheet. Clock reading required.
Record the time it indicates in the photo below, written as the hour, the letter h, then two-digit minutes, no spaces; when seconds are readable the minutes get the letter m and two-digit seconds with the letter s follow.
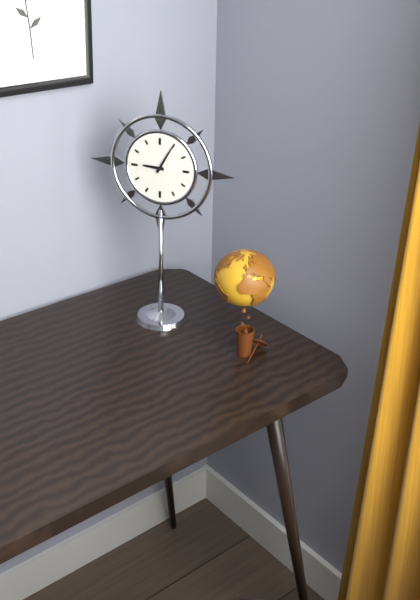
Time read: 9h05
